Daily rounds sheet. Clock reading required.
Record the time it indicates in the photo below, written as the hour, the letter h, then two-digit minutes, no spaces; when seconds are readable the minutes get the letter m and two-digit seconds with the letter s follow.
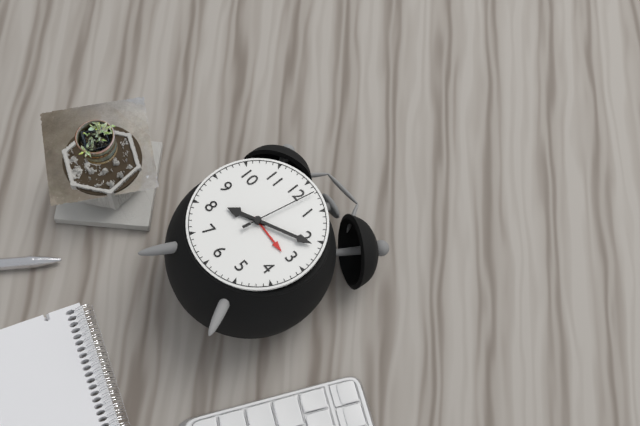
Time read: 8h11m02s
